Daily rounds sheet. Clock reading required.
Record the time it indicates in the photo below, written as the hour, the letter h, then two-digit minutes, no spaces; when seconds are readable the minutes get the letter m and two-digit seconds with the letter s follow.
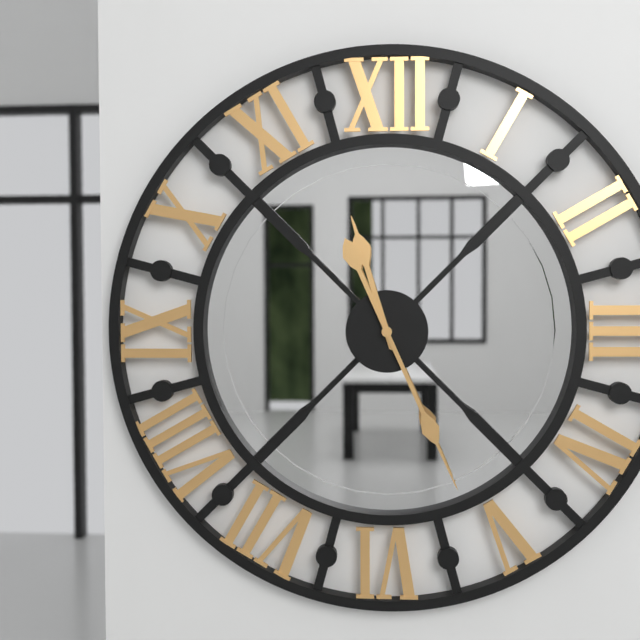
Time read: 11h26
